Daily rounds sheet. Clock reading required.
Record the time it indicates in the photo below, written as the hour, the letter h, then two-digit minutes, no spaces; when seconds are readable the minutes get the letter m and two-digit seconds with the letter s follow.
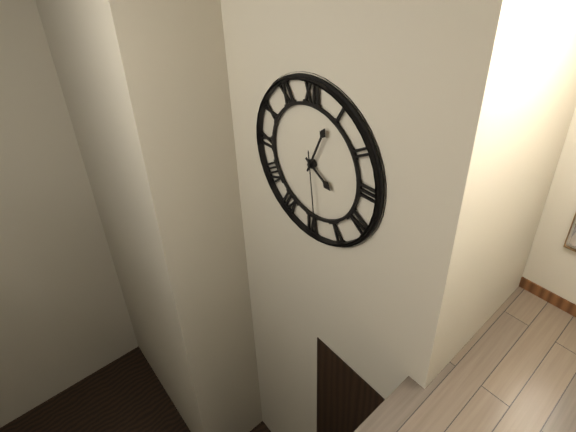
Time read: 4h04m29s
